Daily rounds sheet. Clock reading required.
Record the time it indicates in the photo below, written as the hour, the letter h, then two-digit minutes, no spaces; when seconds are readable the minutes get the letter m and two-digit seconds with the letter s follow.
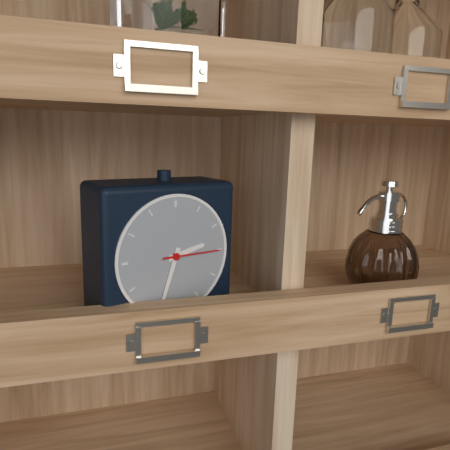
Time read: 2h33m15s
